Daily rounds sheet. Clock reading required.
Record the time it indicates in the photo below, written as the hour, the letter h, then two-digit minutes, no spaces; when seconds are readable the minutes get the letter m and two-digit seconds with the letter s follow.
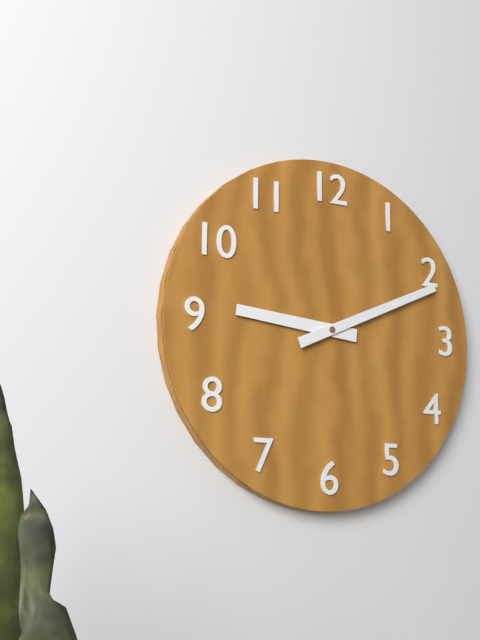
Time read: 9h11
